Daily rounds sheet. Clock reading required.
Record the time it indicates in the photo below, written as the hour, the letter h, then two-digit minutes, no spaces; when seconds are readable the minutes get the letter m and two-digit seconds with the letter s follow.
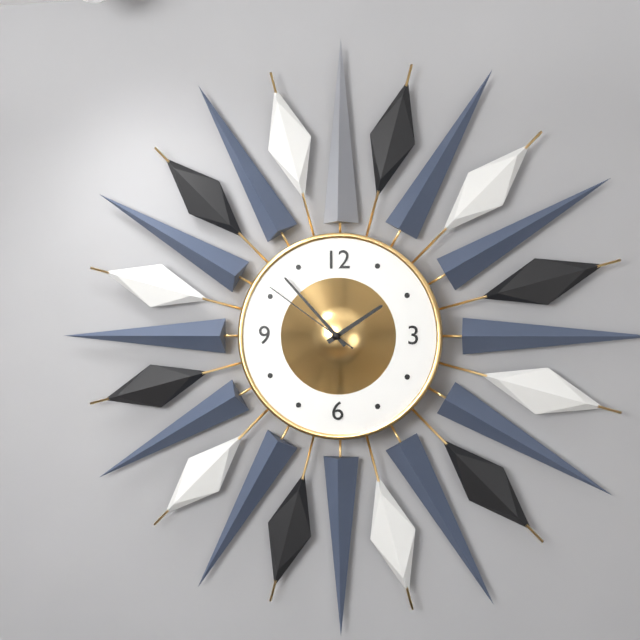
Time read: 1h53m51s
